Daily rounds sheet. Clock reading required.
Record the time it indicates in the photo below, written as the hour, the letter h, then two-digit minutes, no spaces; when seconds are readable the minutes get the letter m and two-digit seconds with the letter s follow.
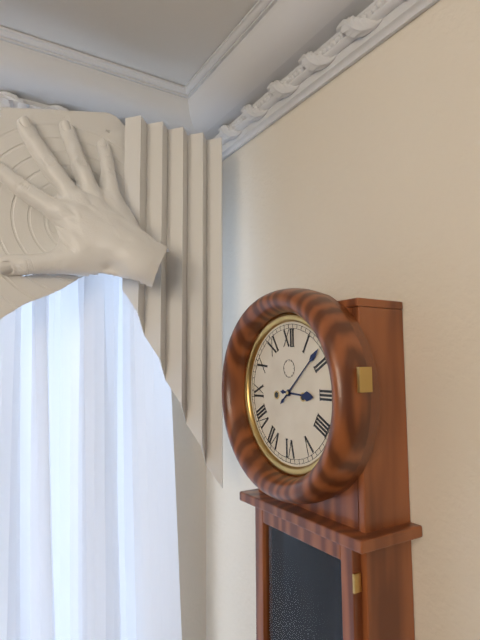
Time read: 3h08
